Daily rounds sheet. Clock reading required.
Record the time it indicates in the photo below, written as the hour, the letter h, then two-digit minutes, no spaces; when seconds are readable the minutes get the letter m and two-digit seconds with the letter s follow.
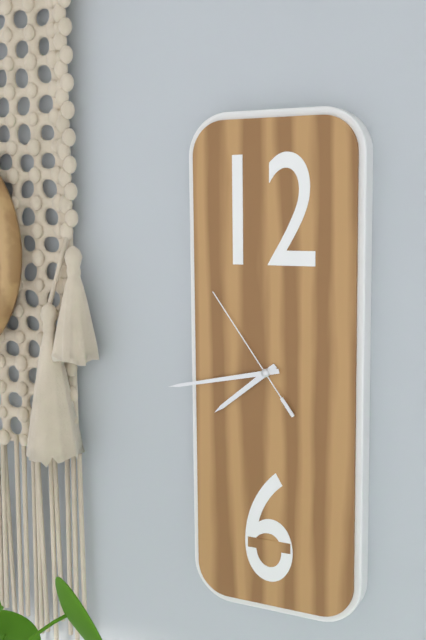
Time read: 7h43m54s
